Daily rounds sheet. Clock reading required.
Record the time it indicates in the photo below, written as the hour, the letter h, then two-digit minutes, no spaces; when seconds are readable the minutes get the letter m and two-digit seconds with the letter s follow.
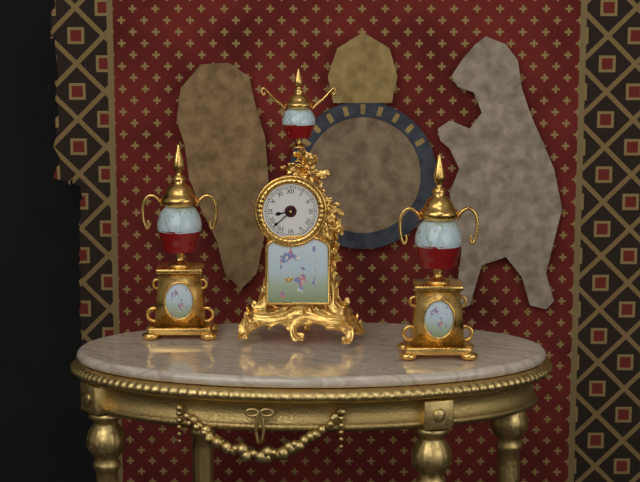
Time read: 8h38
